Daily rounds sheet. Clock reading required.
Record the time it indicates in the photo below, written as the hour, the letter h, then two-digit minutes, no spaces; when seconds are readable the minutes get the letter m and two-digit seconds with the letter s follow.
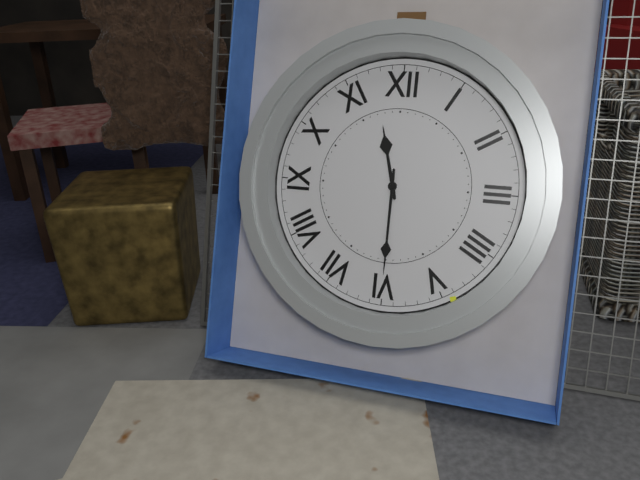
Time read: 11h30
